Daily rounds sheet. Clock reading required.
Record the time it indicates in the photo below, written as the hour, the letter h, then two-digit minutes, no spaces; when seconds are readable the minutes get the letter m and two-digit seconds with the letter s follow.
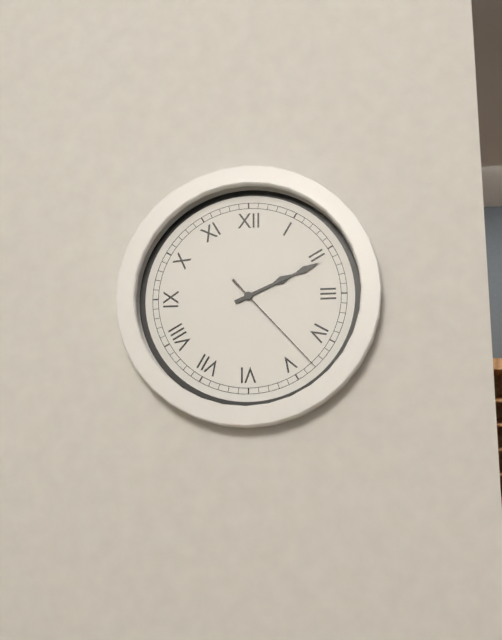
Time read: 2h11m23s
